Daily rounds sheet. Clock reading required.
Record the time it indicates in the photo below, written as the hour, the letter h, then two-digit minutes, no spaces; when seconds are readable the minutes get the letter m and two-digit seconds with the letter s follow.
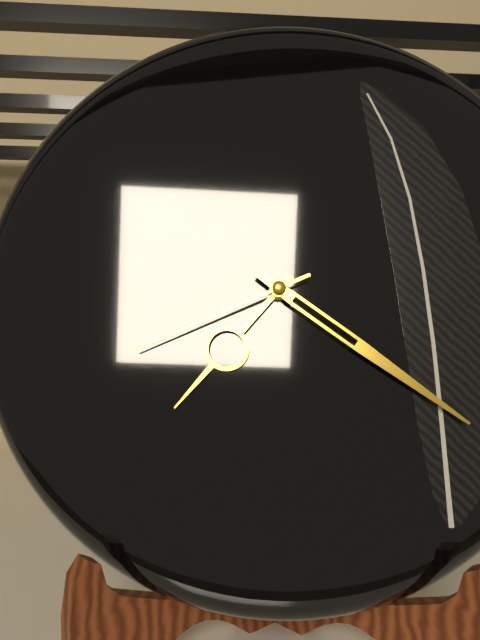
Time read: 7h21m41s
